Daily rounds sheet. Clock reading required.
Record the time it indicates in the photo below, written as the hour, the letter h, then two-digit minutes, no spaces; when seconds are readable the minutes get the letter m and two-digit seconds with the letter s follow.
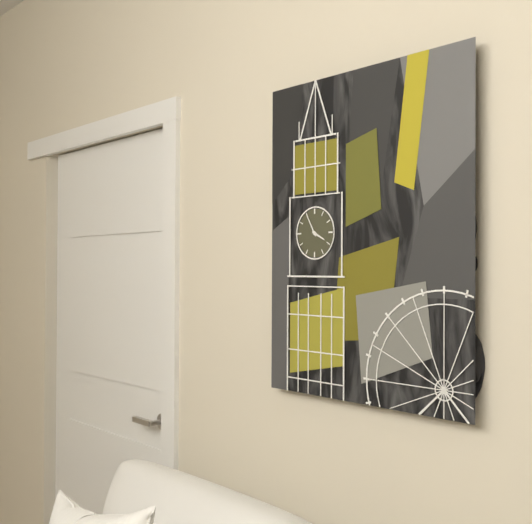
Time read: 3h55
